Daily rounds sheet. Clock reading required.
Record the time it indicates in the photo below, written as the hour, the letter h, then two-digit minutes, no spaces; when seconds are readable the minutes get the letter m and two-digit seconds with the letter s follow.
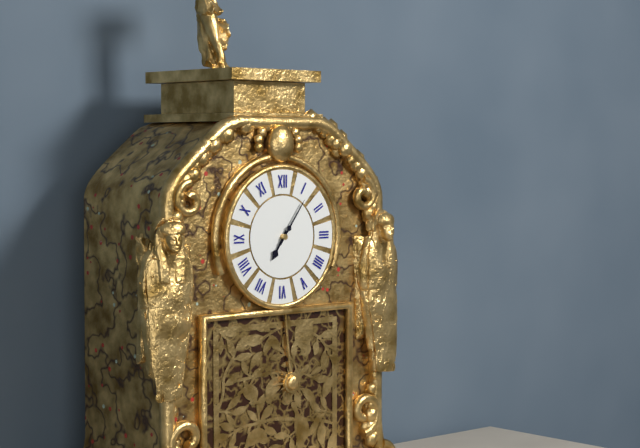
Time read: 7h06
